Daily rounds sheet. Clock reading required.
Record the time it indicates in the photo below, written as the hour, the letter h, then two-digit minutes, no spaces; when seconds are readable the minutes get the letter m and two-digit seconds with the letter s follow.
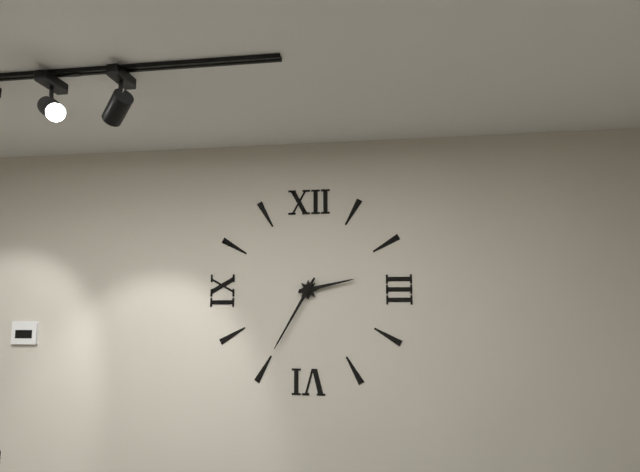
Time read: 2h35
